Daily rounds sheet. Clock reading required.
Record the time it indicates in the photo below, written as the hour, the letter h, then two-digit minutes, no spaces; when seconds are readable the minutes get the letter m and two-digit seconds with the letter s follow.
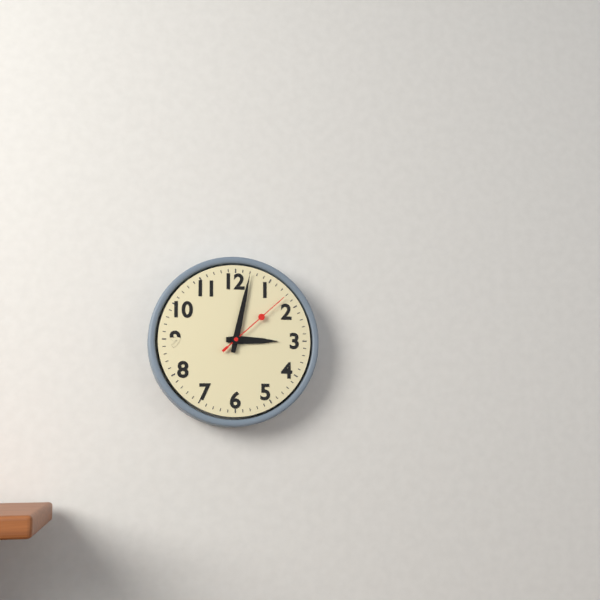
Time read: 3h02m08s
